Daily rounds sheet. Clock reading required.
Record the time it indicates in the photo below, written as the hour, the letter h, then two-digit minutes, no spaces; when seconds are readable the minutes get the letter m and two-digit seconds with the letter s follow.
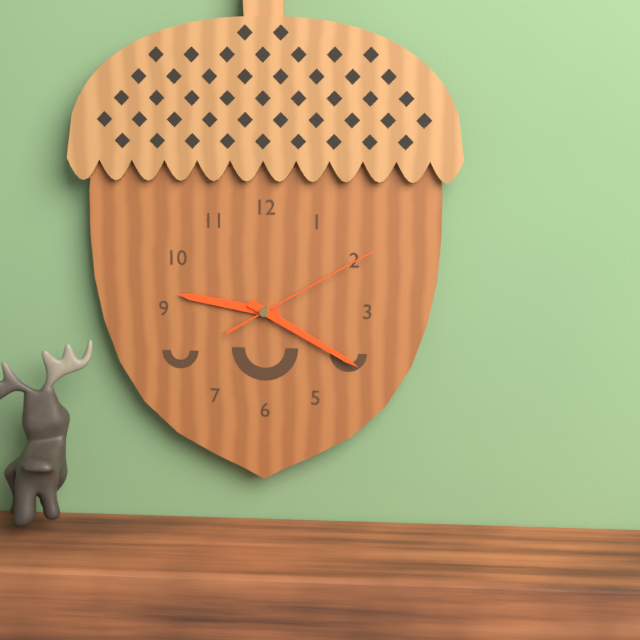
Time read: 9h20m10s
